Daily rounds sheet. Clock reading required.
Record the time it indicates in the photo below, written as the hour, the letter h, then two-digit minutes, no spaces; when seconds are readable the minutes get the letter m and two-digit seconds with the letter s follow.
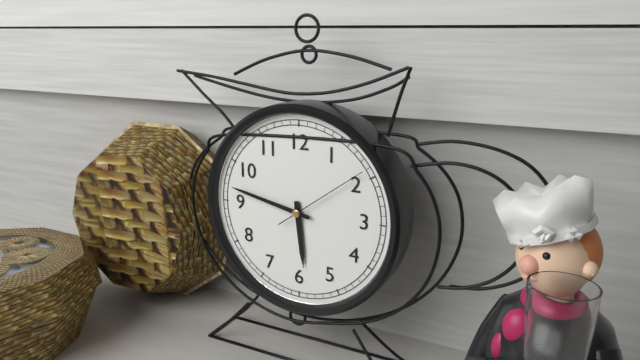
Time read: 5h47m09s
